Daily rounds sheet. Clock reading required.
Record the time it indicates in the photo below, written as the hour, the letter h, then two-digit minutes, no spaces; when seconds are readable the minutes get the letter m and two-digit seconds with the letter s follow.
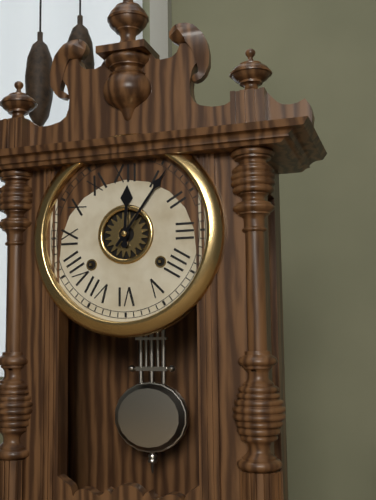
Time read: 12h06
